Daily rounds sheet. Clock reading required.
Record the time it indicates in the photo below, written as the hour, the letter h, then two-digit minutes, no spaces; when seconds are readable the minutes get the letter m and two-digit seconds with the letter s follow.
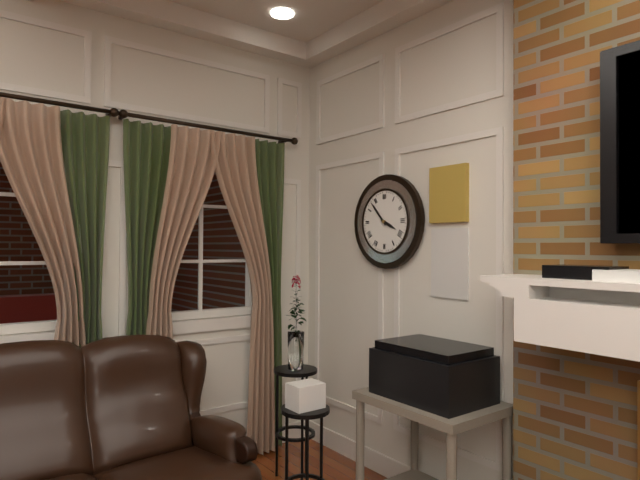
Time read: 3h53
